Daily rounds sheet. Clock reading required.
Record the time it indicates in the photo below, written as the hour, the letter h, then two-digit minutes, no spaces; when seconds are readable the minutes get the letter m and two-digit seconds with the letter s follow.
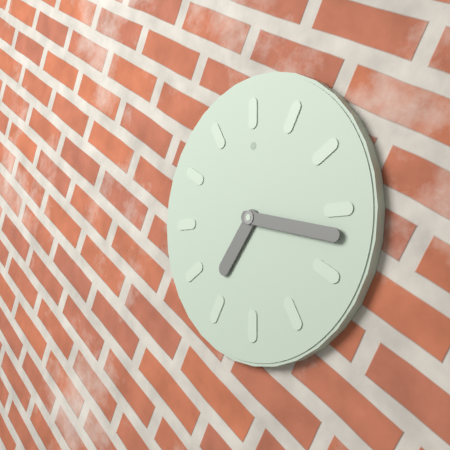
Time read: 7h17
